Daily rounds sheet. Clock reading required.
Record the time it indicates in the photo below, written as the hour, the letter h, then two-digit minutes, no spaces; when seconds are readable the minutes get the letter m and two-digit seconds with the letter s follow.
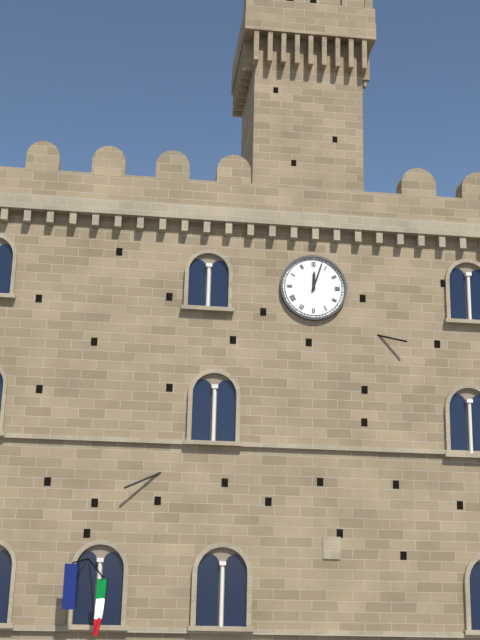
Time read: 12h03
